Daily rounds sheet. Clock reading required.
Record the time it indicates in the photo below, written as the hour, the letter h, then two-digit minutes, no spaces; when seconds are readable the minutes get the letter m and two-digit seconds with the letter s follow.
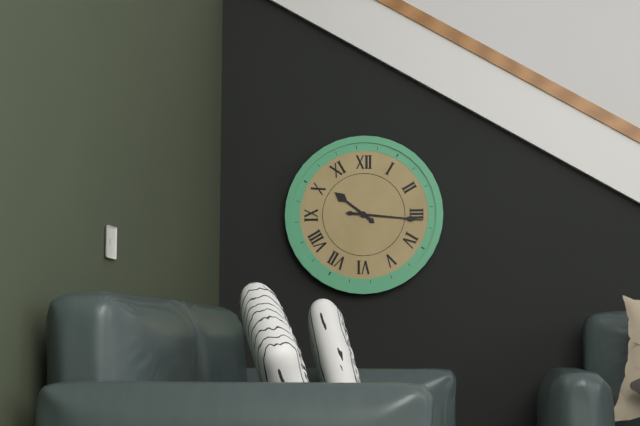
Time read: 10h16
